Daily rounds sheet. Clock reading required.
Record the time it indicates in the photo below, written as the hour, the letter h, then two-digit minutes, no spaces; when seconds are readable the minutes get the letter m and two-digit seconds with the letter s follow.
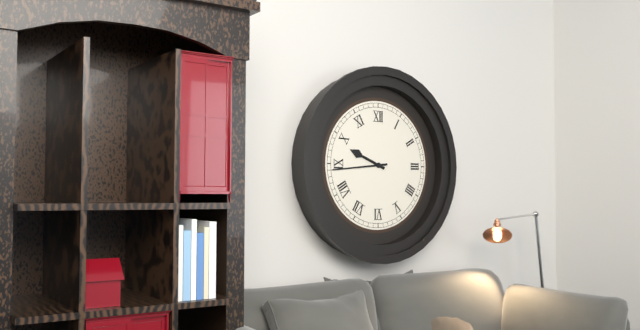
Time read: 9h44
